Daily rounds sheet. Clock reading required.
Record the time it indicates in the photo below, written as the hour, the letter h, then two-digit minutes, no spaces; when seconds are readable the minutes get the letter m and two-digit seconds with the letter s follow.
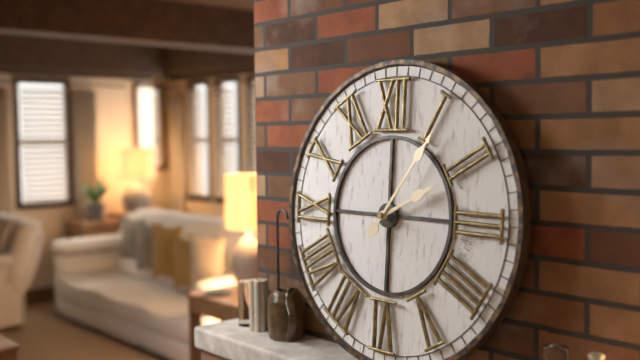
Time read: 2h06
